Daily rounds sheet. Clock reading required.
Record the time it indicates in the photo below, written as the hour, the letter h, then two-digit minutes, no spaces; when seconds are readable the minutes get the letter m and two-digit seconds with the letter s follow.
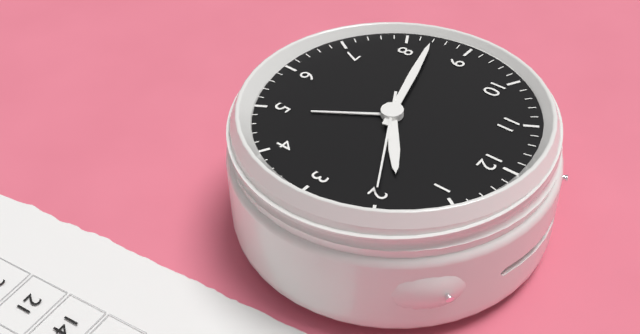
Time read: 1h42m10s
